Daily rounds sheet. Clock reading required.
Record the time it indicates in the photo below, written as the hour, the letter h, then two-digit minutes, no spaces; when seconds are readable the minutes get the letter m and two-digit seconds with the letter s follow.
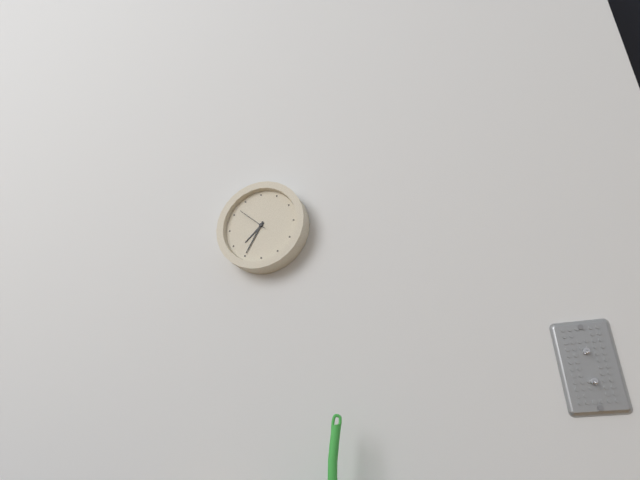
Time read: 7h35
